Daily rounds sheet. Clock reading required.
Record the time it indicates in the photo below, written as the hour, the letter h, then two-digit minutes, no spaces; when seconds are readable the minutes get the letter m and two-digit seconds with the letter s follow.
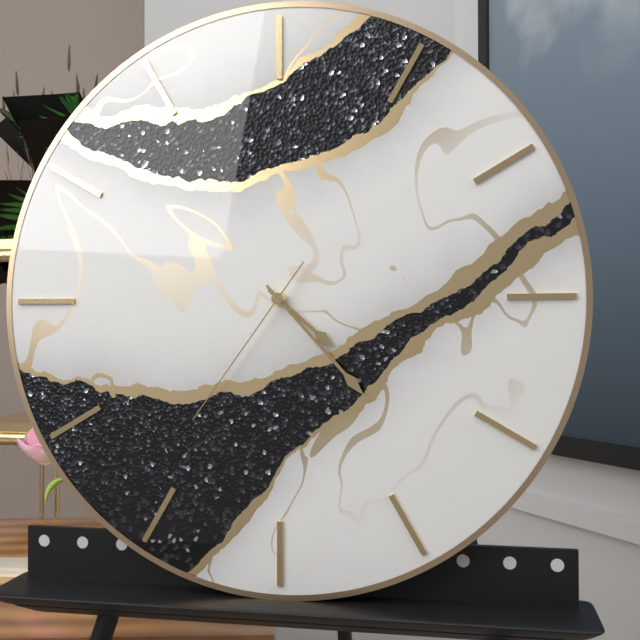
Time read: 4h23m36s
